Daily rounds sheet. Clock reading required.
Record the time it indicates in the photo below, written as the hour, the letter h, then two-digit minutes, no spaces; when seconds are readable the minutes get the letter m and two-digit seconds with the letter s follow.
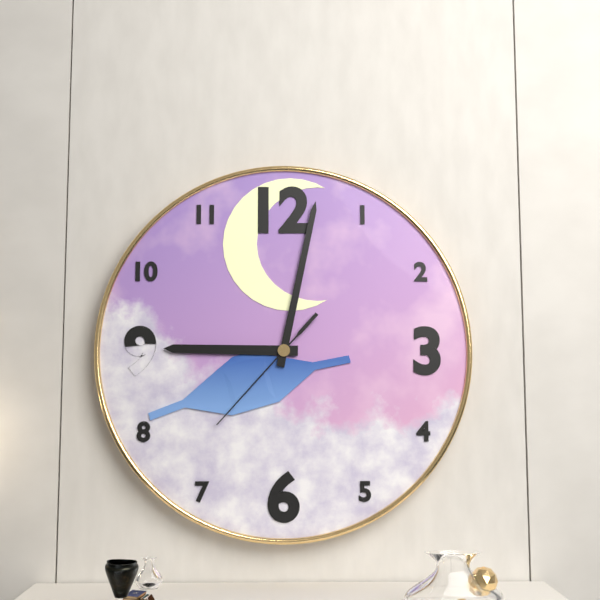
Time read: 9h02m37s
